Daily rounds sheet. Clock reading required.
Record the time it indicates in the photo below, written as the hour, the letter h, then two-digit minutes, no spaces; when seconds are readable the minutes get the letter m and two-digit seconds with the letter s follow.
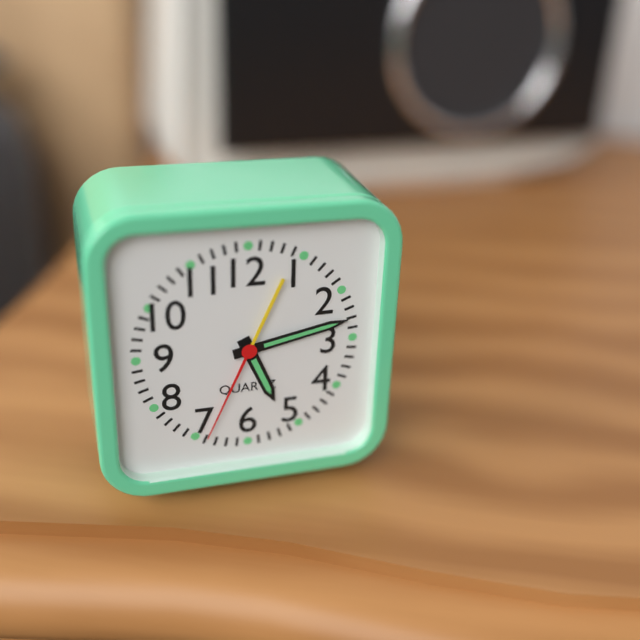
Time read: 5h13m34s
